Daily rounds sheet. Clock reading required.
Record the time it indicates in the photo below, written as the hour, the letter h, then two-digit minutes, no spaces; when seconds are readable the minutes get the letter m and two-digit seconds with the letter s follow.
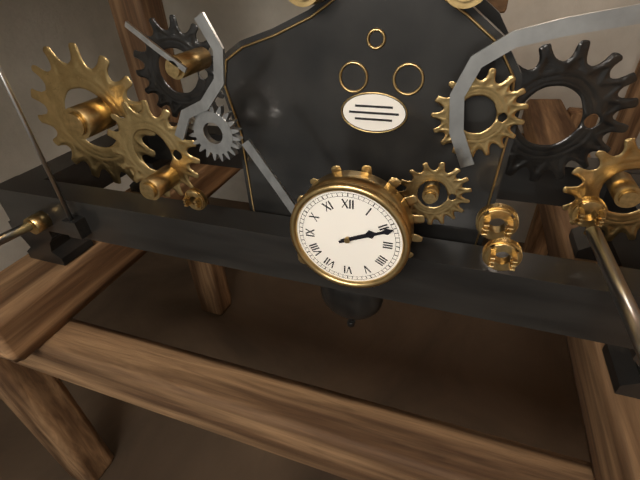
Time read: 2h11
